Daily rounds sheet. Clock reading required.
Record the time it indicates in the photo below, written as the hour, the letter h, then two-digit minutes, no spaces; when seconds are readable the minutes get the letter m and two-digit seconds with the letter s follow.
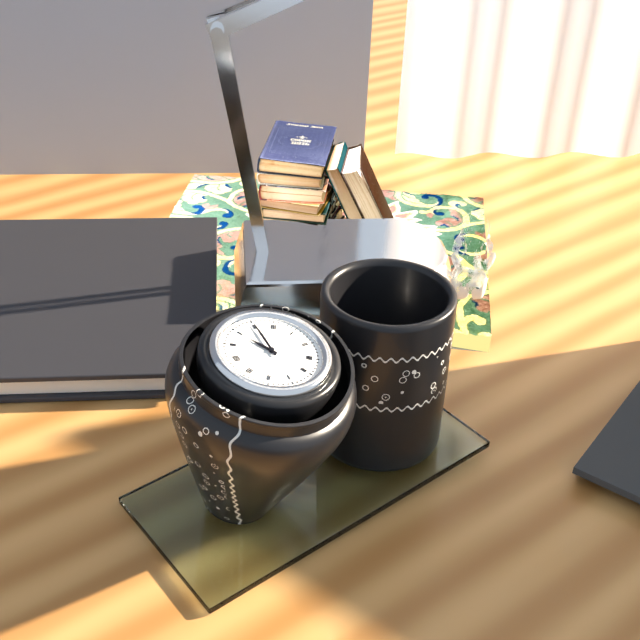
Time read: 9h55
